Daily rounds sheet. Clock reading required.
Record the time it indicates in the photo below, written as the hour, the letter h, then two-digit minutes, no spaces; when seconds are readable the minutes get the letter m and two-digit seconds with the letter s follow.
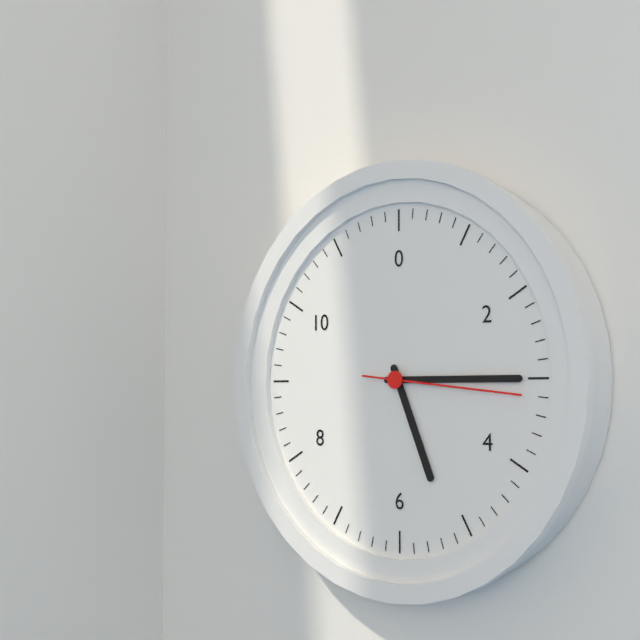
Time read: 5h15m16s
